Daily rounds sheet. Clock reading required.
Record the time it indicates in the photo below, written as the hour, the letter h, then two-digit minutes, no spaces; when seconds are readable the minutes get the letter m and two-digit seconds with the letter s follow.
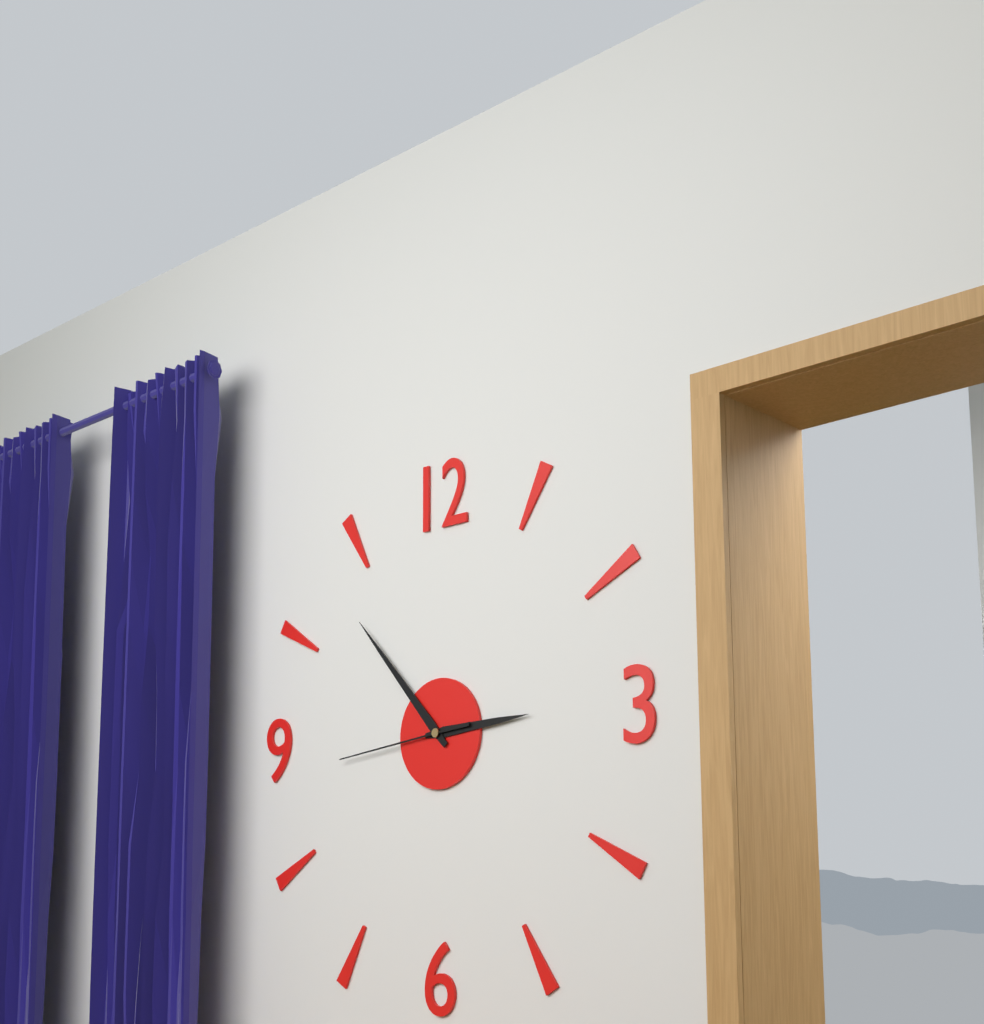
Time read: 2h53m44s
